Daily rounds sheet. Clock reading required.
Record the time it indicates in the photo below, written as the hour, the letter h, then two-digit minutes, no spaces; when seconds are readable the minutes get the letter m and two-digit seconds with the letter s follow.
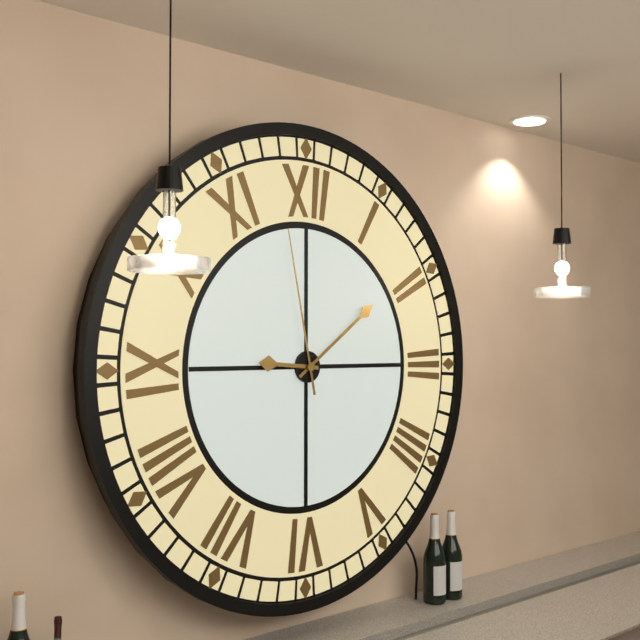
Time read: 9h09m58s
